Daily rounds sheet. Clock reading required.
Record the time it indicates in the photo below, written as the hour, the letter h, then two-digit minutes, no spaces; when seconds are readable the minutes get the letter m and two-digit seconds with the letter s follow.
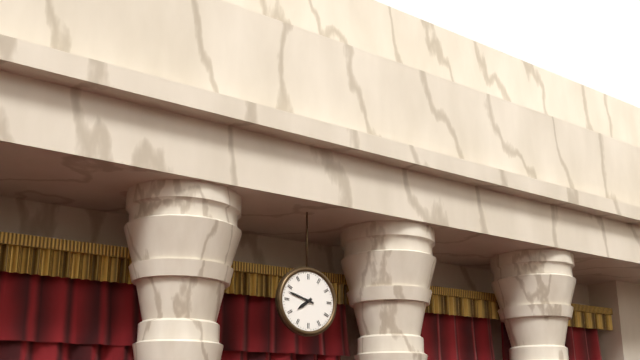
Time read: 7h48
